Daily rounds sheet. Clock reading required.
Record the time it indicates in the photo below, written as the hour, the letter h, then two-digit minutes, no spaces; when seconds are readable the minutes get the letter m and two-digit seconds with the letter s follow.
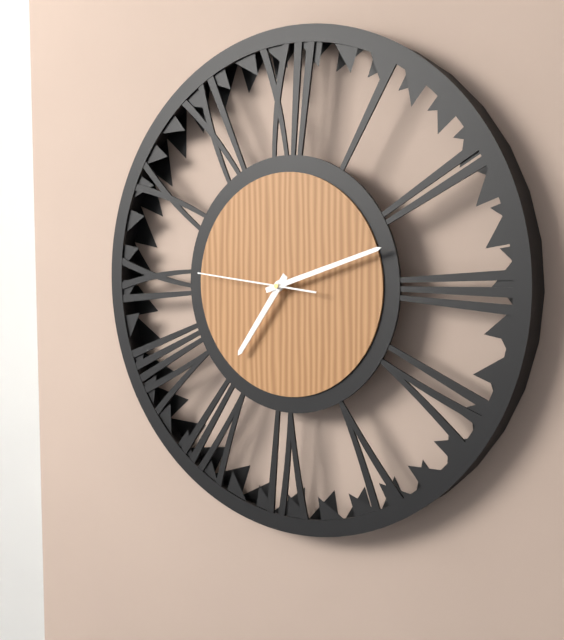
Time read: 7h12m46s
